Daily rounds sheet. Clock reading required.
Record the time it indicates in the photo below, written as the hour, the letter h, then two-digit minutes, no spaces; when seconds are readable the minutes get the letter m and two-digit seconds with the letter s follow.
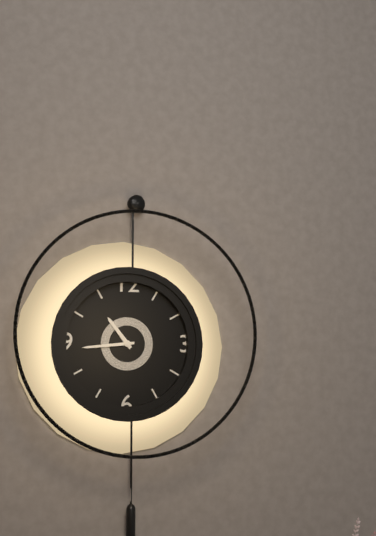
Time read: 10h44
